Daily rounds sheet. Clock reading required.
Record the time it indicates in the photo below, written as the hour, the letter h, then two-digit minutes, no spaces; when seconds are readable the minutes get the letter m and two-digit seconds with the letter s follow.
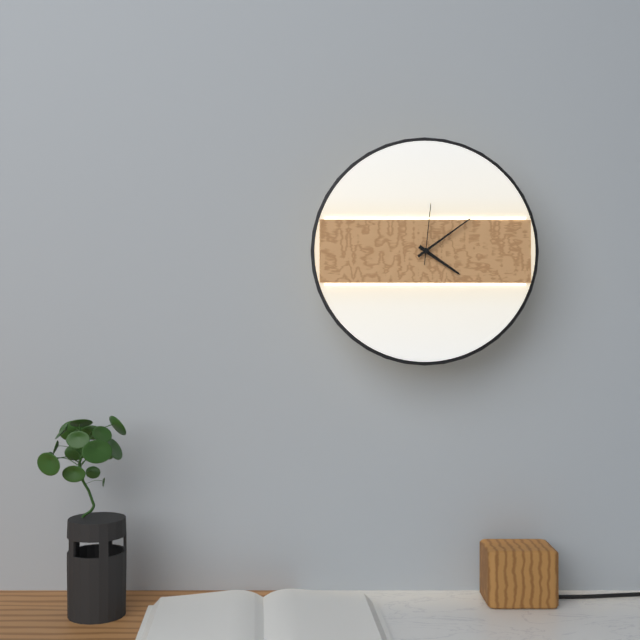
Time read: 4h09m01s
